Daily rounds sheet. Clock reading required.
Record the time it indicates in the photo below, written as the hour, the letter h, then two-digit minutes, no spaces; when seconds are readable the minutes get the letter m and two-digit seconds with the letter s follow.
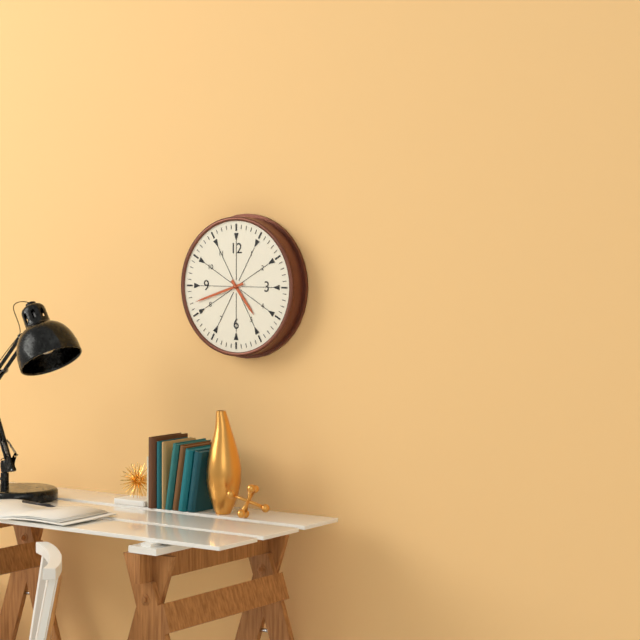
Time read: 4h42
